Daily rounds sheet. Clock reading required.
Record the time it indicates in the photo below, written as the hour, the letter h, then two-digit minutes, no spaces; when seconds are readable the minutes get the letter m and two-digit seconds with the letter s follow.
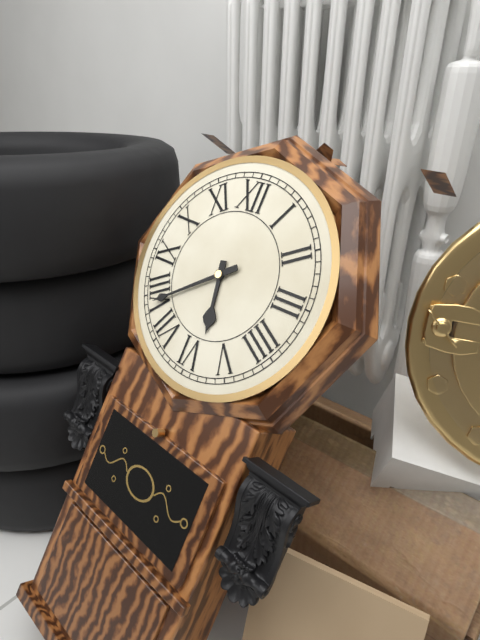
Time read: 5h39
